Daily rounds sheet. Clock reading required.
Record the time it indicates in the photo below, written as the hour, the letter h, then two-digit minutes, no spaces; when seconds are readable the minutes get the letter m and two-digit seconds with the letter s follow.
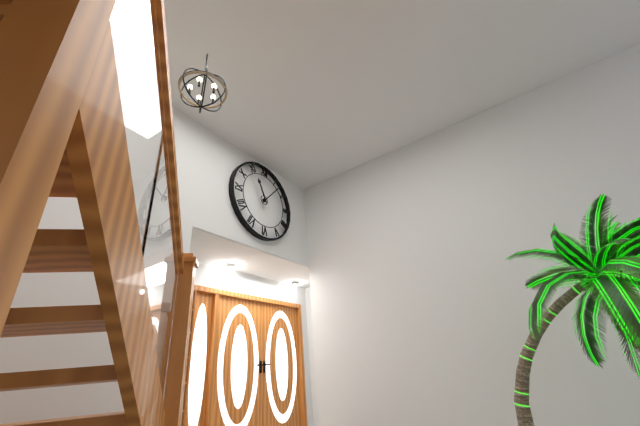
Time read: 11h07
